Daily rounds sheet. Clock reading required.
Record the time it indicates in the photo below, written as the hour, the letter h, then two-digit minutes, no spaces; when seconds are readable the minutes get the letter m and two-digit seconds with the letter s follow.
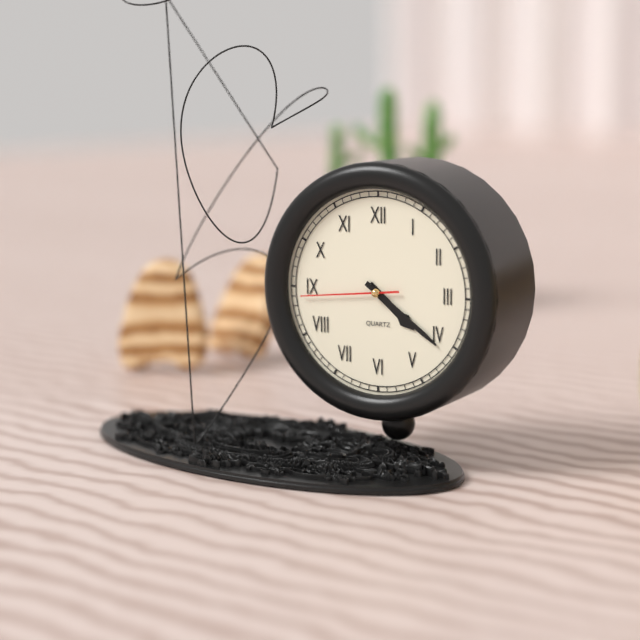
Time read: 4h21m44s
